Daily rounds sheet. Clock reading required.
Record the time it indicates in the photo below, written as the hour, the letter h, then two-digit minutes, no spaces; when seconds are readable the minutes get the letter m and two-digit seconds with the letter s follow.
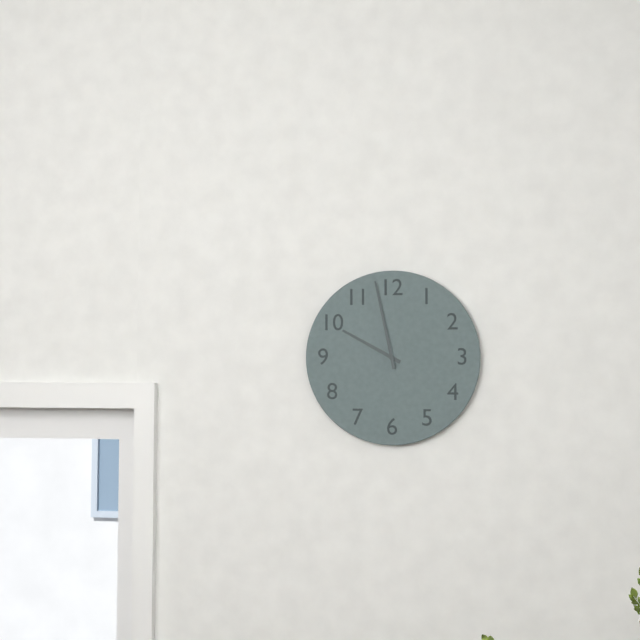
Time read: 9h58
